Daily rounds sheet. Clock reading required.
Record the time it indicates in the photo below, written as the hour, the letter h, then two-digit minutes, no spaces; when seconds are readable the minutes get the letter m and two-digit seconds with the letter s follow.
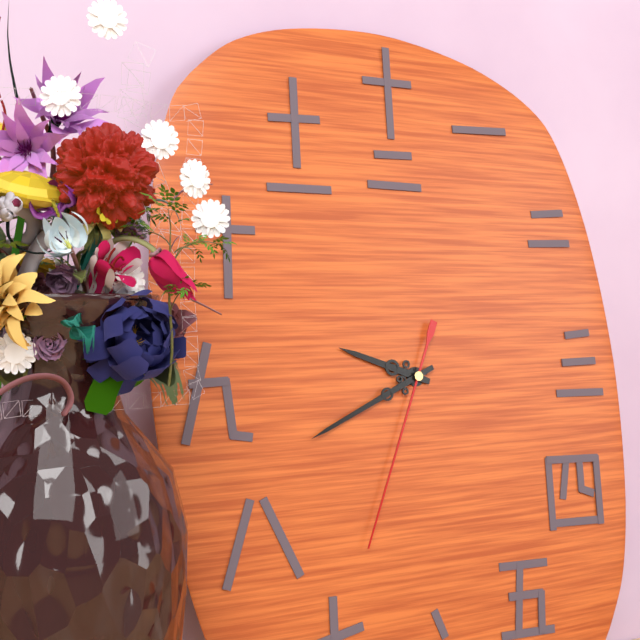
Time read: 9h41m34s
